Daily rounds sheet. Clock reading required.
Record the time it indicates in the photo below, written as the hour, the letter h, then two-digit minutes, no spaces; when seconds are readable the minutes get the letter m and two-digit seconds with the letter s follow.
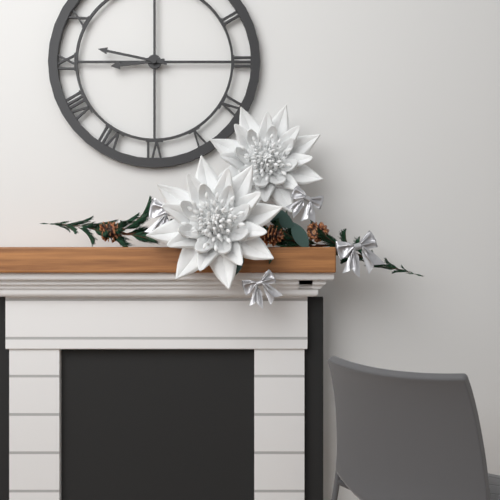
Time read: 8h47
